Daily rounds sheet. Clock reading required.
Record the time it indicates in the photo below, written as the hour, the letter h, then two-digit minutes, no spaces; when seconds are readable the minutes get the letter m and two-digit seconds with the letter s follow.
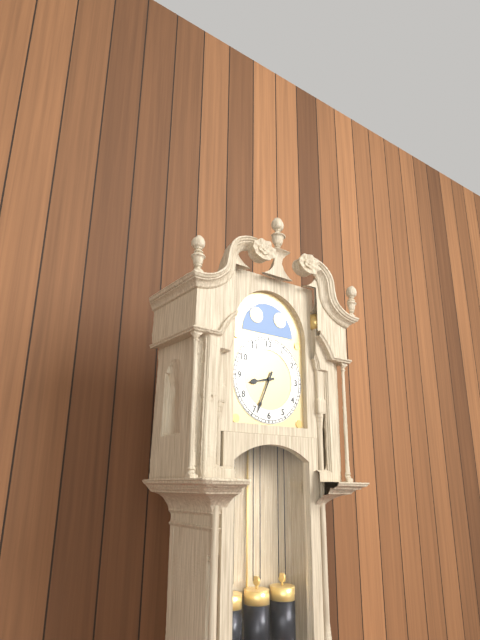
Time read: 8h34
